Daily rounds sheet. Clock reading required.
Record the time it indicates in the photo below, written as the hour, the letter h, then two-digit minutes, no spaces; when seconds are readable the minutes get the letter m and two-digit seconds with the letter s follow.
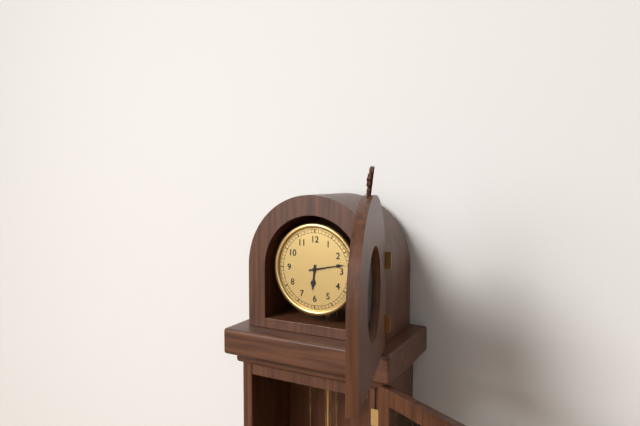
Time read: 6h13
